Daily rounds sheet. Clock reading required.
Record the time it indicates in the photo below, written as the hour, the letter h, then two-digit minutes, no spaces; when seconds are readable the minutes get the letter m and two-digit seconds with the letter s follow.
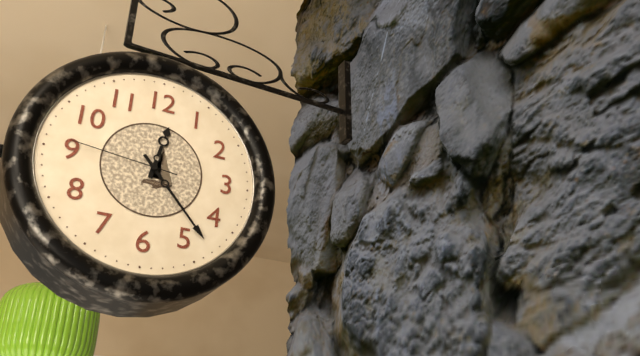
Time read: 12h23m46s
